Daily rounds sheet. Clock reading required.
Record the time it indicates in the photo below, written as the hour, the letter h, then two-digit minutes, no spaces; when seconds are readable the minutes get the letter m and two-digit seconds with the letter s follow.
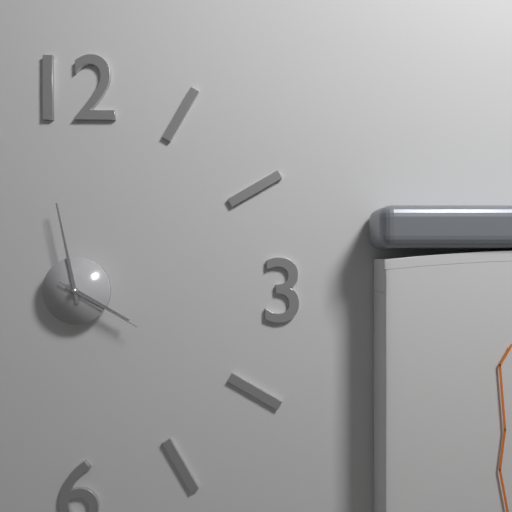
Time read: 3h58m20s
